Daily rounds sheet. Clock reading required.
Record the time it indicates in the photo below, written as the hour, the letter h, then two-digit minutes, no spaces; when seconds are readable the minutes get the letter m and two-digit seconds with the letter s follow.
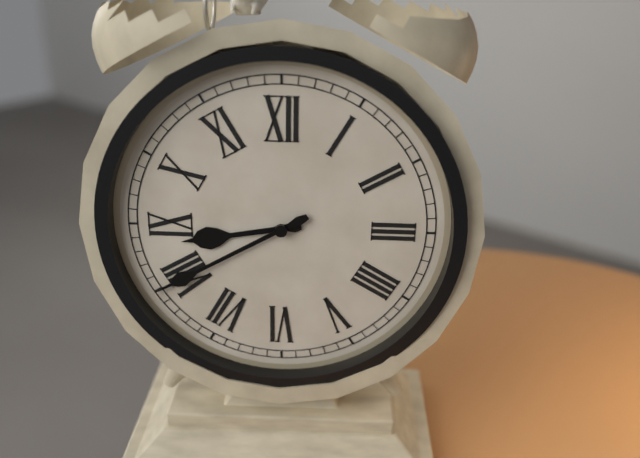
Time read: 8h40
